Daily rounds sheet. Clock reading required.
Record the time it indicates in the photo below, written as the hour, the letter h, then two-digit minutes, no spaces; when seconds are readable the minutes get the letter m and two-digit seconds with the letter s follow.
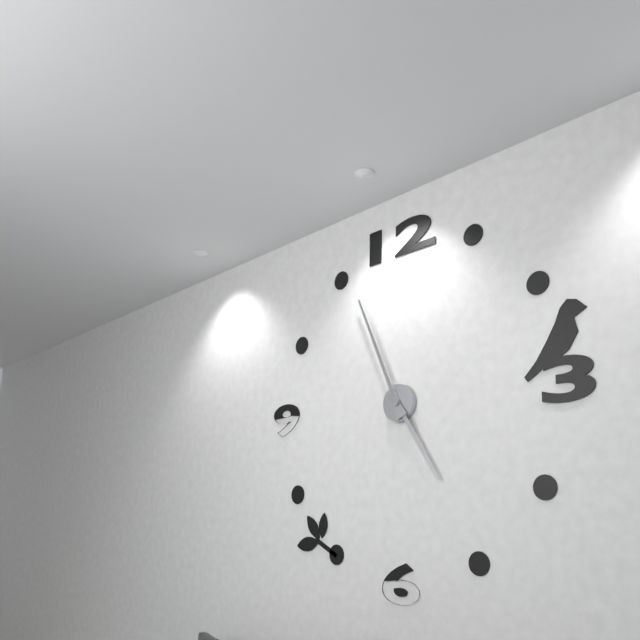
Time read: 4h56
